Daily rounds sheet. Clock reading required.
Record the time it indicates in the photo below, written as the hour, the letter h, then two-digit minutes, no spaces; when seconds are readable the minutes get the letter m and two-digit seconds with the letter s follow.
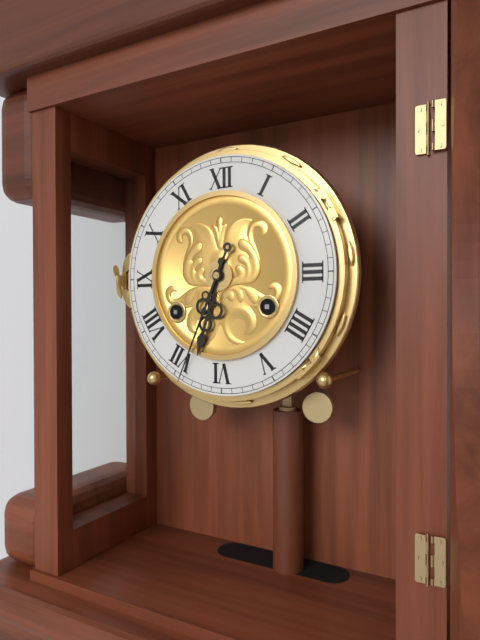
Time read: 6h34
